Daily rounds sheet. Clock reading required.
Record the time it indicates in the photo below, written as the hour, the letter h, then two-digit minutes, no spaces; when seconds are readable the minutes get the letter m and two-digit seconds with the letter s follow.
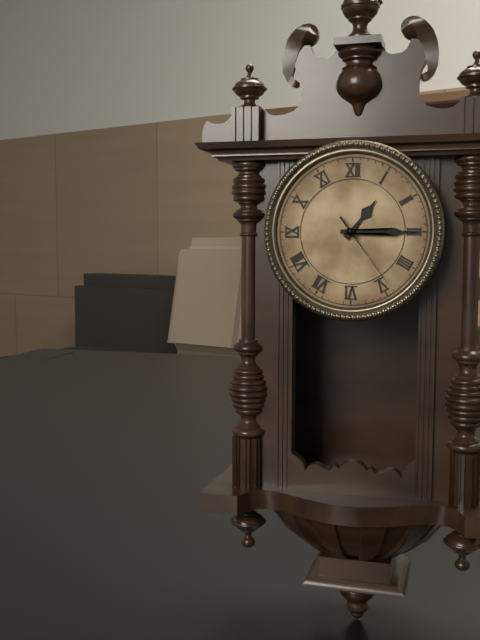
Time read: 1h15m24s
